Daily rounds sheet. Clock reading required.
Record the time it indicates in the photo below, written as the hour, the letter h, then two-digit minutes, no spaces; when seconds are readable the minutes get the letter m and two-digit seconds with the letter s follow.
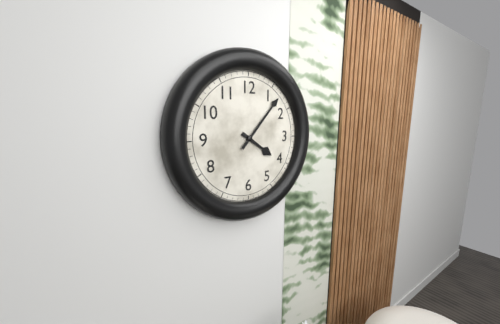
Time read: 4h07
